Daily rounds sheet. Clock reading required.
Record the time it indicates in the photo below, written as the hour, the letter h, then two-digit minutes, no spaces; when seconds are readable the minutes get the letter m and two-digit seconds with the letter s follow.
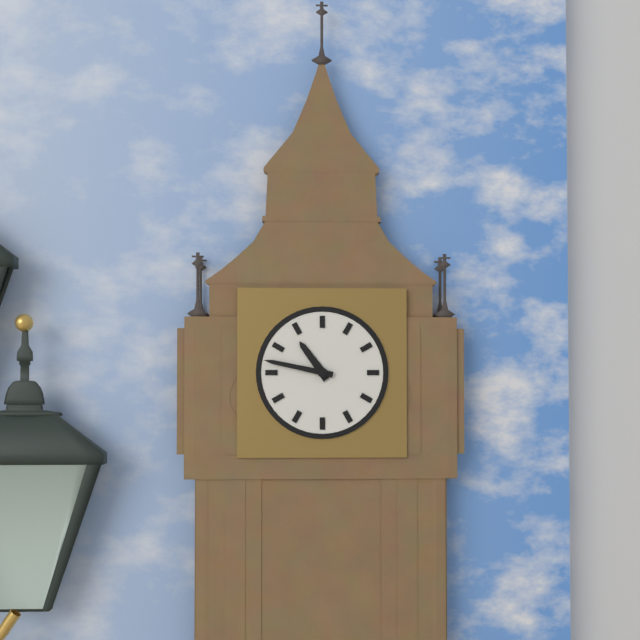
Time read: 10h47
